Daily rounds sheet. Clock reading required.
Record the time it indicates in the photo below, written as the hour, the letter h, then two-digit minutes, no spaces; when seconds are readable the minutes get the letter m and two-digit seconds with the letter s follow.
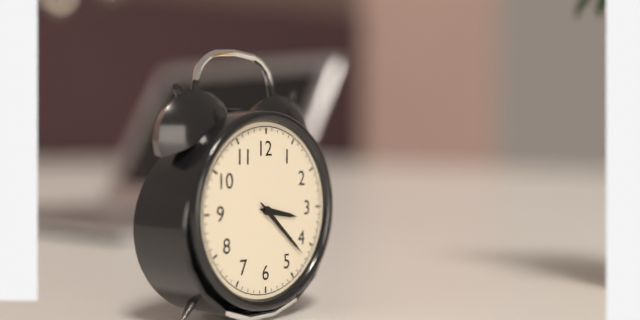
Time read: 3h22
